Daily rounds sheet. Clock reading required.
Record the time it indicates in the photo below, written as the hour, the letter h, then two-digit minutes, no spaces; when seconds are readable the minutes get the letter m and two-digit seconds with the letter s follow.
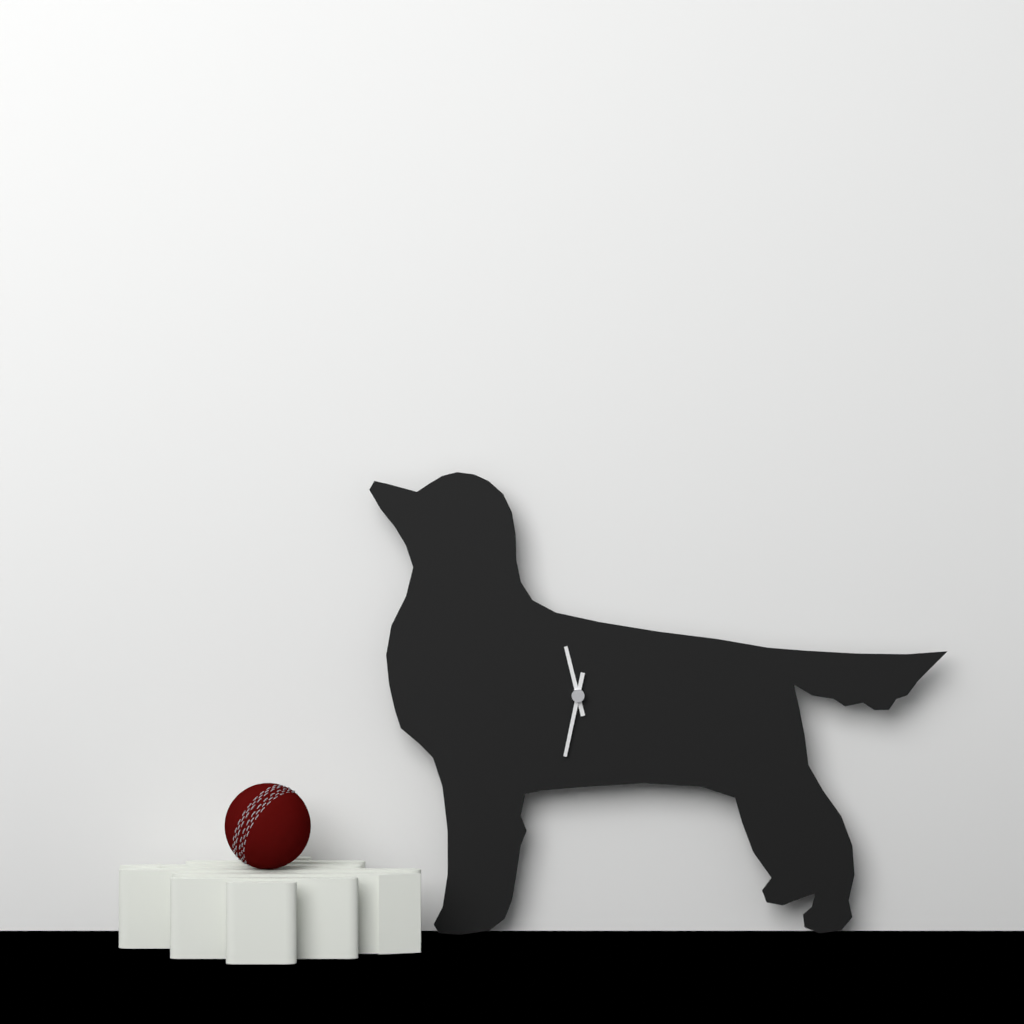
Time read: 11h32
